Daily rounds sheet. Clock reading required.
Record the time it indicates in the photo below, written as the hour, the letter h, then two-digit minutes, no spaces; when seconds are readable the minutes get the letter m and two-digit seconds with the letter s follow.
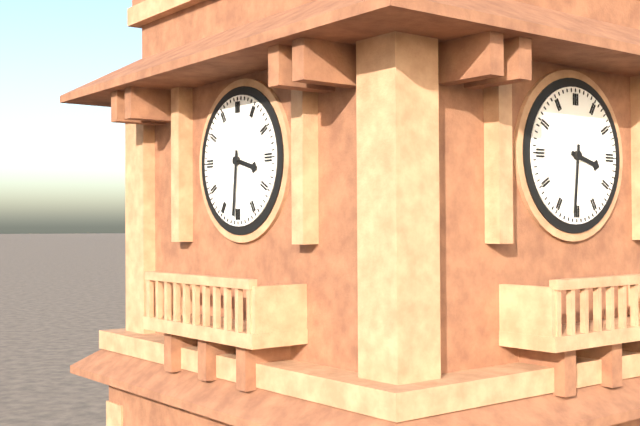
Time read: 3h31
